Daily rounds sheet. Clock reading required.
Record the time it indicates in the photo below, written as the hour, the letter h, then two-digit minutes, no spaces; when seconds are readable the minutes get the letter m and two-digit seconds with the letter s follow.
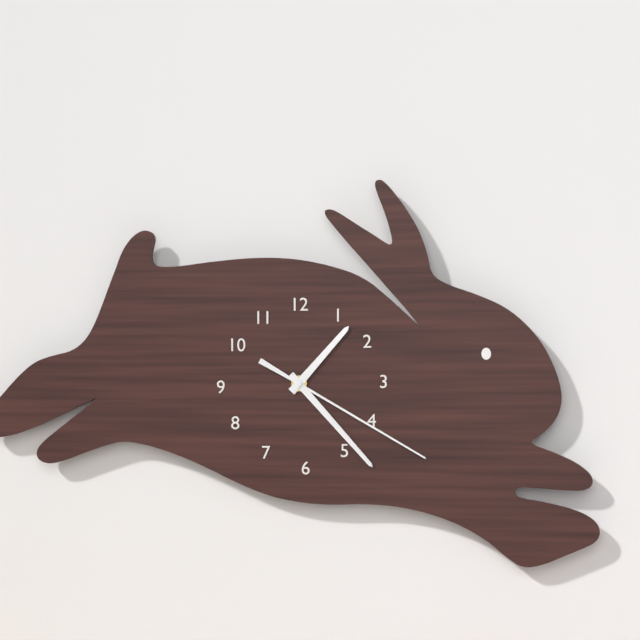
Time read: 1h23m20s
